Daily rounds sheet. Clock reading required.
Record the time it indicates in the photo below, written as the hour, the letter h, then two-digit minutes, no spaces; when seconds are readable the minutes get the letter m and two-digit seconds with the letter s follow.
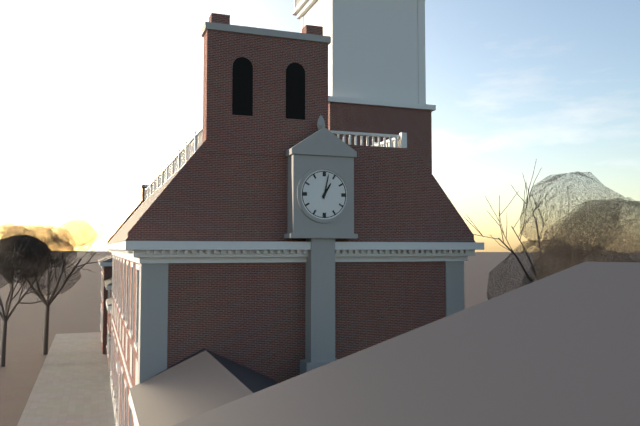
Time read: 1h02
